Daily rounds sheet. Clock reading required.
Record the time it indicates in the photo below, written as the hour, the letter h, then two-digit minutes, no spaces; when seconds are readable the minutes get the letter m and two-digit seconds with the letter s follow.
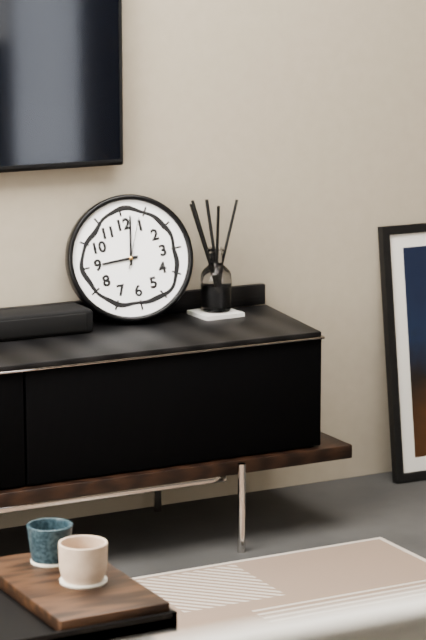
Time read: 9h02m04s
